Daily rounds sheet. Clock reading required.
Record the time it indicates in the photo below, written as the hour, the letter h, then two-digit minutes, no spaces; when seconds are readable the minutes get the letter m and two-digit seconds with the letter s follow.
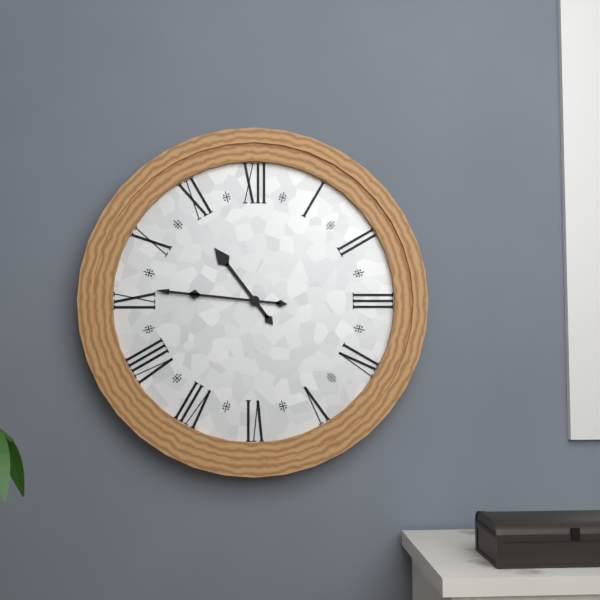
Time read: 10h46
